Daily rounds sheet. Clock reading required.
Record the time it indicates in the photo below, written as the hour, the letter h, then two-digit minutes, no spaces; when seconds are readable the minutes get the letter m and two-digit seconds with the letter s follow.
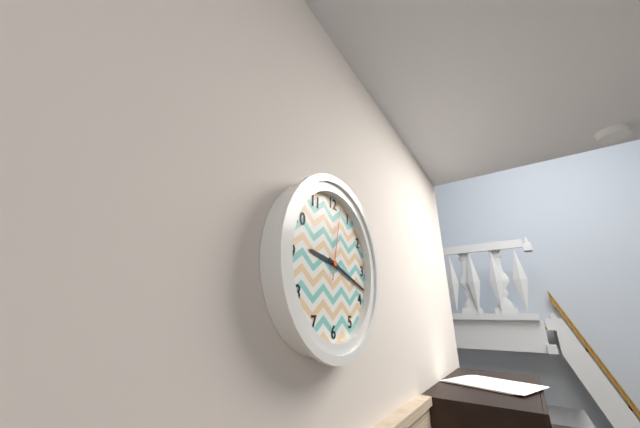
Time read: 9h18m02s
